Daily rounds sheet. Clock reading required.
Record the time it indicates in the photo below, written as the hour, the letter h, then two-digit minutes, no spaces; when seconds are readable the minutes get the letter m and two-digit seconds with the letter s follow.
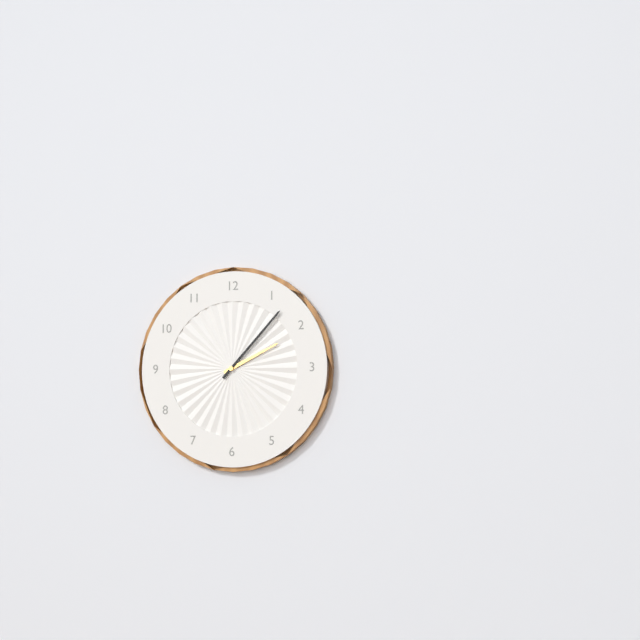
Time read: 2h07
